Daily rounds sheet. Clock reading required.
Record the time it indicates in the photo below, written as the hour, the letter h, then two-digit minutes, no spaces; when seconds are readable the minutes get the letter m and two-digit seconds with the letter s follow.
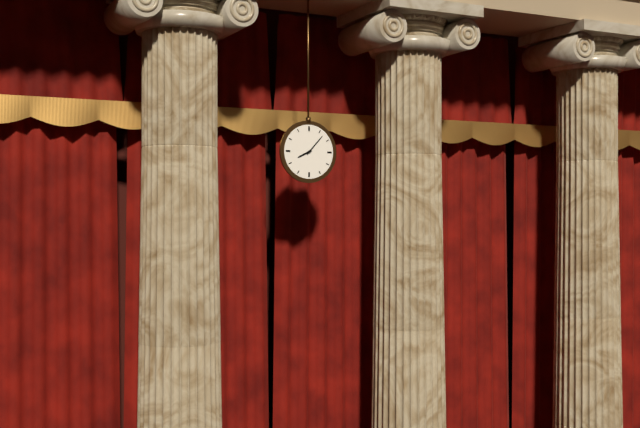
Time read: 8h07
